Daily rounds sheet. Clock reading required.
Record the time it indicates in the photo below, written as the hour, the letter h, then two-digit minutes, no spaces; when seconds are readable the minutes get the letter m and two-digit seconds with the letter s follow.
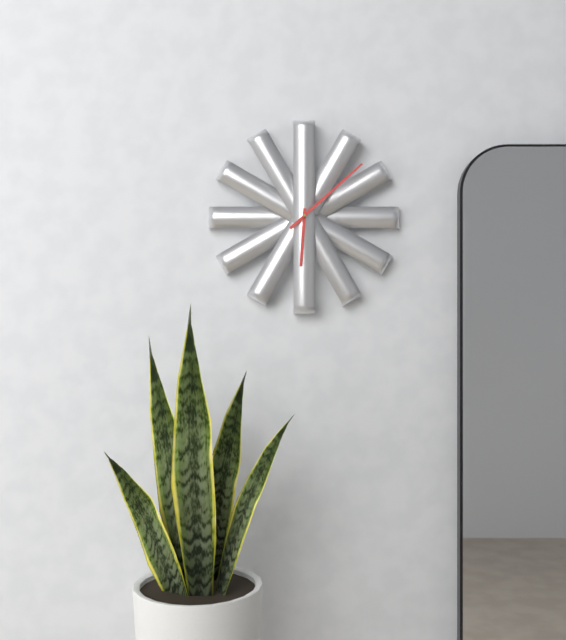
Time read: 6h08
